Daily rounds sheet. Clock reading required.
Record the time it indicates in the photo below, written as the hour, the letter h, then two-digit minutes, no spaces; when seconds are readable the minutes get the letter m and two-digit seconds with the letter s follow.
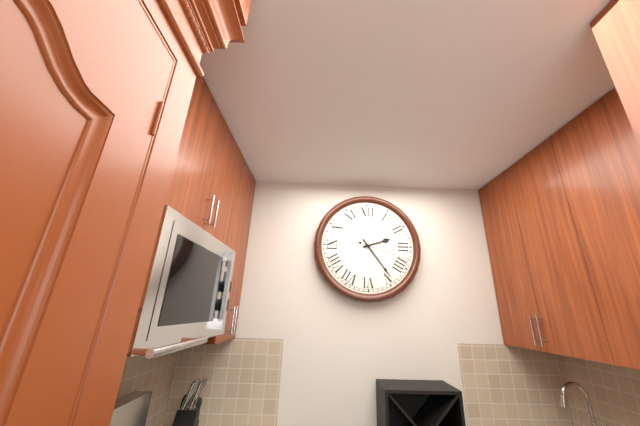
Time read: 2h24m18s
